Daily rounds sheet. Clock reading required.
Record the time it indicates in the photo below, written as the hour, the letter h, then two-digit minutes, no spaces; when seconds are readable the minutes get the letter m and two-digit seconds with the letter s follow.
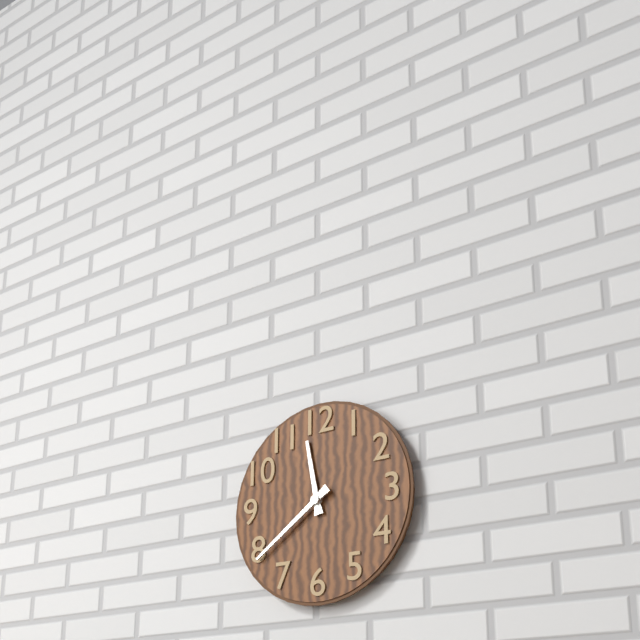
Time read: 11h39
